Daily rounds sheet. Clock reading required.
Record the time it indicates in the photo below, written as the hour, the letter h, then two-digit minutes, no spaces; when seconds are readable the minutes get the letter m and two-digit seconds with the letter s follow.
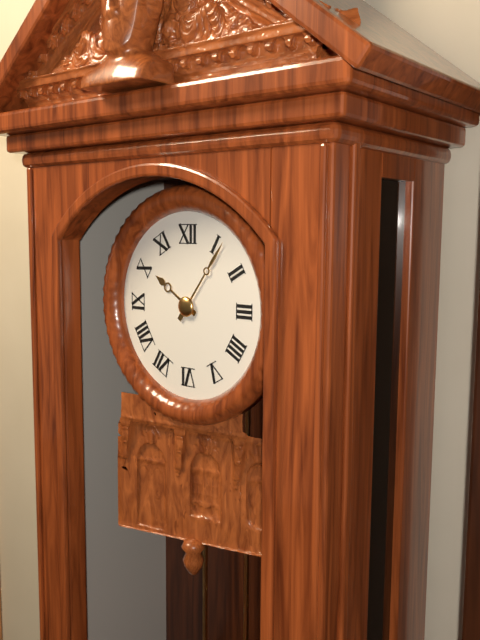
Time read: 10h06
